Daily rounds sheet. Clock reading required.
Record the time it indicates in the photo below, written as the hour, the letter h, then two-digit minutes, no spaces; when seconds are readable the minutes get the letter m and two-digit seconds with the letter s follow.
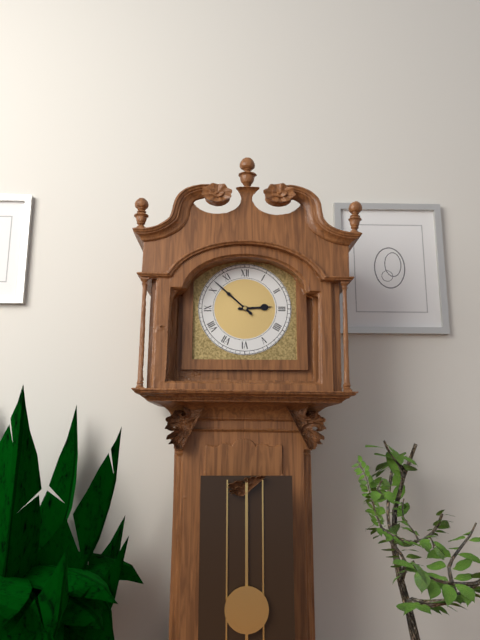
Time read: 2h52
